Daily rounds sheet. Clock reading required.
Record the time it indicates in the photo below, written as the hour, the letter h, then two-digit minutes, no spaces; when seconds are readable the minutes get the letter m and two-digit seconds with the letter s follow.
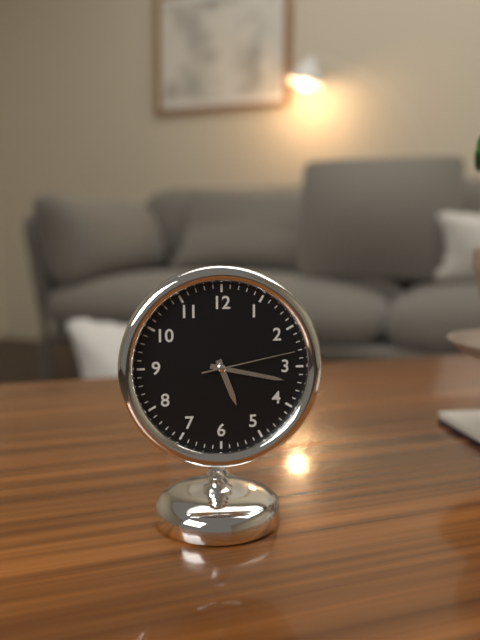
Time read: 5h17m13s
